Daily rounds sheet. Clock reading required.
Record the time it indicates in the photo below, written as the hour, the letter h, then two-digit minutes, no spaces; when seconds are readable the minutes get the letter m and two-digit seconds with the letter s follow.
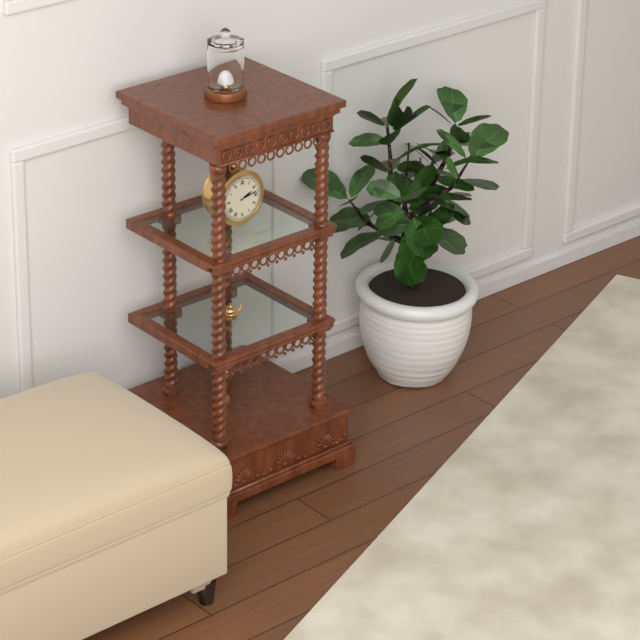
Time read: 2h13
